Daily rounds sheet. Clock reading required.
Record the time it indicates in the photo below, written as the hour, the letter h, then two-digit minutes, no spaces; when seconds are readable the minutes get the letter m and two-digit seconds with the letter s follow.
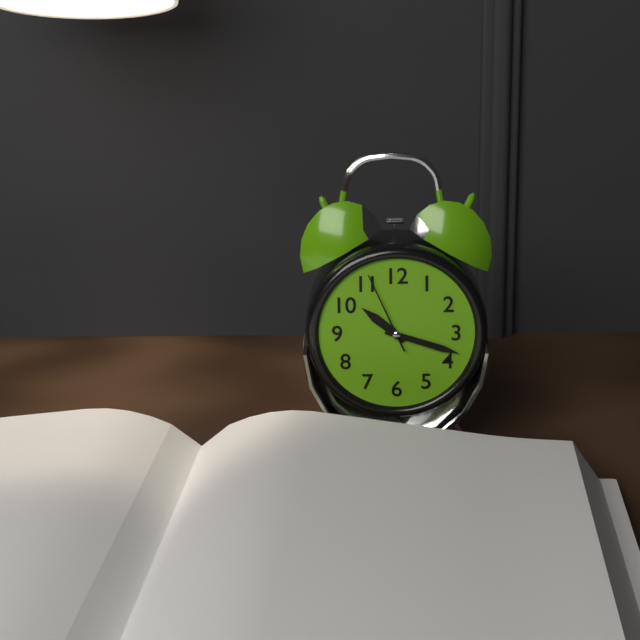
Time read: 10h18m56s
